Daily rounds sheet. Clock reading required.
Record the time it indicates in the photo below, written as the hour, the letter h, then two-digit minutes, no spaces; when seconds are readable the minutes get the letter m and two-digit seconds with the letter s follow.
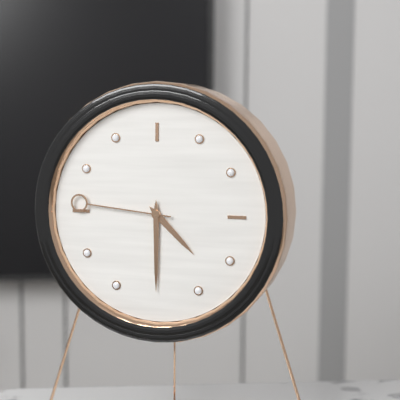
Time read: 4h30m46s
